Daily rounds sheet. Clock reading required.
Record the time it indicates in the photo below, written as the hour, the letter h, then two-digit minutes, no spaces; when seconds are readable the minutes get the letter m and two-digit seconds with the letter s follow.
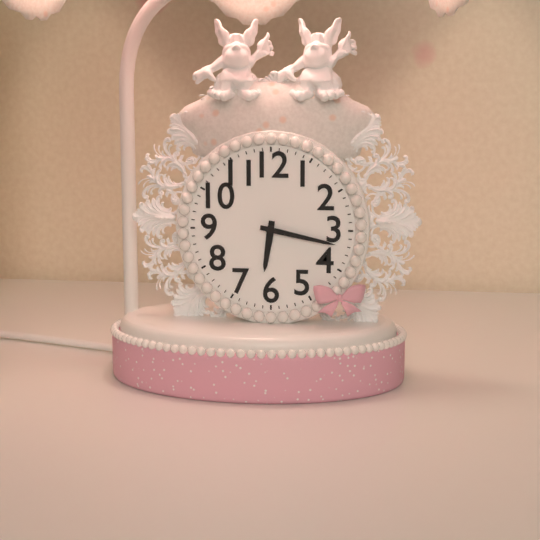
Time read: 6h17
